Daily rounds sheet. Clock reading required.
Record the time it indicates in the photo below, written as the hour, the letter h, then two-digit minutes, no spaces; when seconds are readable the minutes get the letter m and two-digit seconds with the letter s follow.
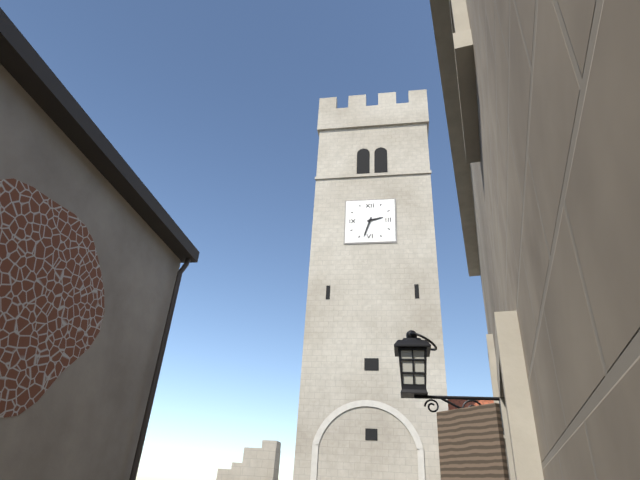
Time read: 2h33
